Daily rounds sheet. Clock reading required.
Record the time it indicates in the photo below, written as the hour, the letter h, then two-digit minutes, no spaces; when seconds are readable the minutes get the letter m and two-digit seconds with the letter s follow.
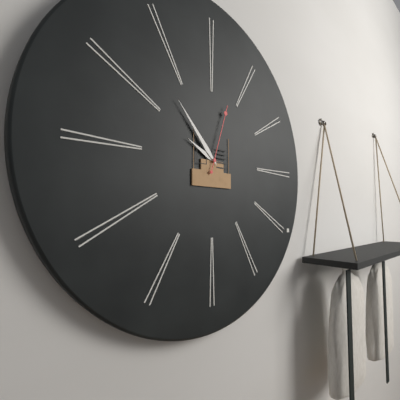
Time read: 9h53m03s
